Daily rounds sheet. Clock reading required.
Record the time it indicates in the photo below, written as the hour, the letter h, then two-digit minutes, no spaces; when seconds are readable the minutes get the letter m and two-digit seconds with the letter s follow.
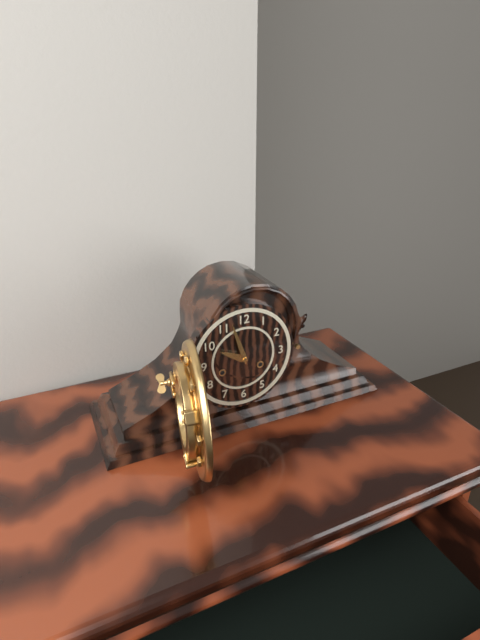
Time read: 9h57
